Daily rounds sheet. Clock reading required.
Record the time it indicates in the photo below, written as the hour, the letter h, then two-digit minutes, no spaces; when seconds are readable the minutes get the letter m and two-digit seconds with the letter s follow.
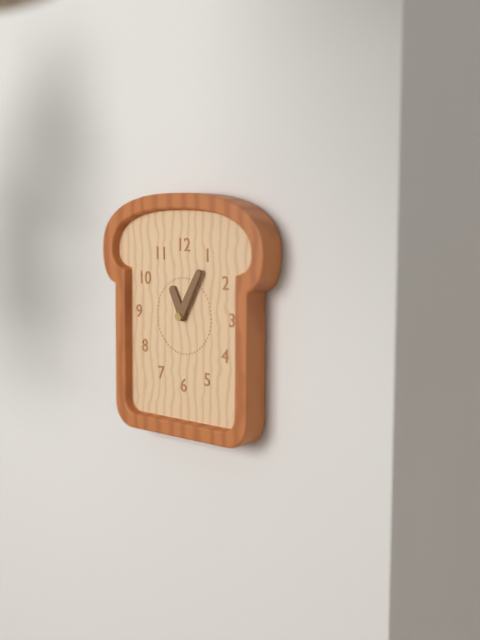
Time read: 11h05
